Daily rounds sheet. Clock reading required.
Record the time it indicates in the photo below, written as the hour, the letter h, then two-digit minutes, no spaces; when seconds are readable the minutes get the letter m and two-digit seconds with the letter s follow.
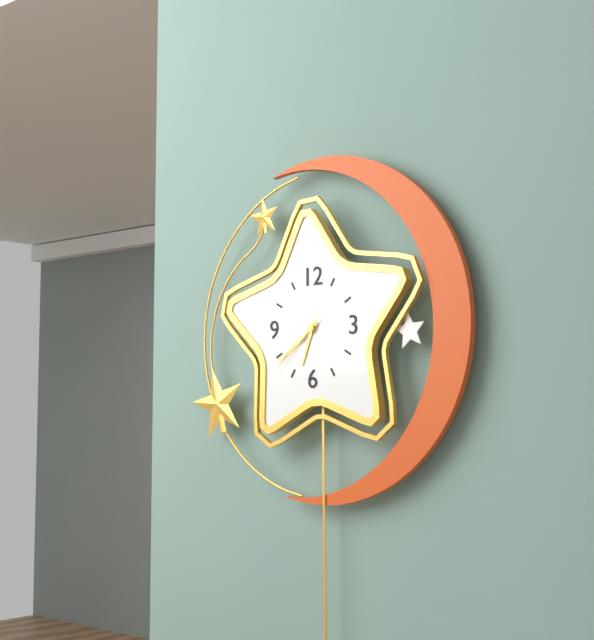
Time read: 6h39m38s
